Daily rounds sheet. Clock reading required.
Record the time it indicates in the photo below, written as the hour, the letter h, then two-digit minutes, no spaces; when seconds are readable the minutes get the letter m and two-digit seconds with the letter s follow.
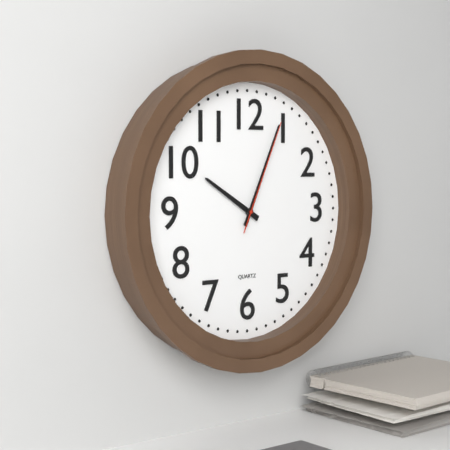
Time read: 10h04m04s
